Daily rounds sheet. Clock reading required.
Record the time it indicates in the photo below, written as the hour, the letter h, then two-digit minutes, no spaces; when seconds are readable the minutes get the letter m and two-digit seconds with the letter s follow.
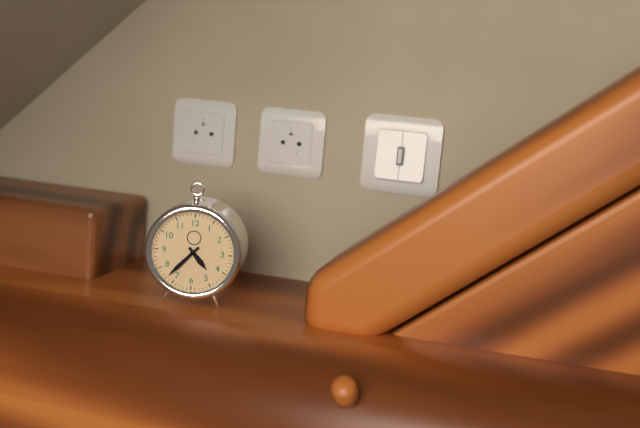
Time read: 4h37
